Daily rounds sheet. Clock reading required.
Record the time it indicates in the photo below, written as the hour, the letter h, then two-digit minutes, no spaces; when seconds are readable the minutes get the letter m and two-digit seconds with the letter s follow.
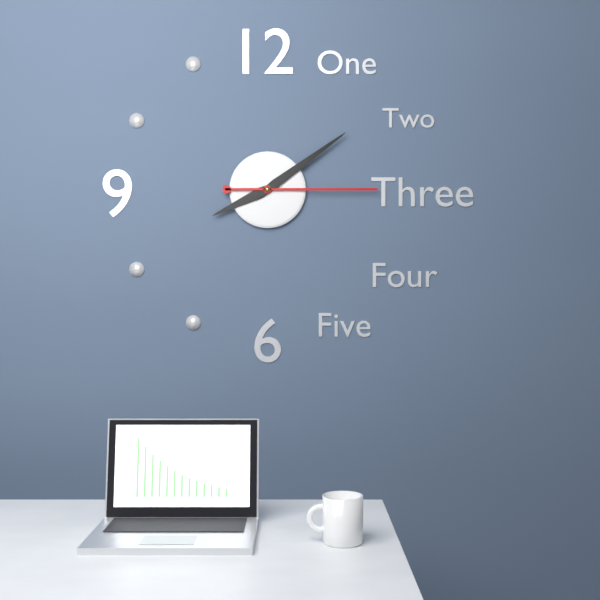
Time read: 8h09m15s
